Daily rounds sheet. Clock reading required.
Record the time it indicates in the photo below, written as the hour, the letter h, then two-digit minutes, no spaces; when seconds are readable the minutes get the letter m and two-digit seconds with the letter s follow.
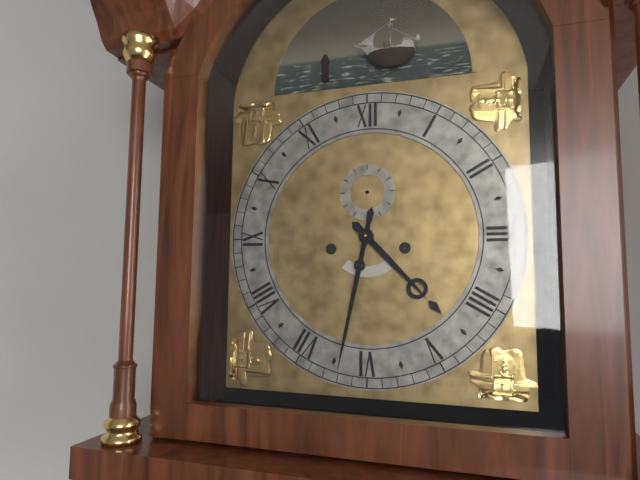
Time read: 4h32
